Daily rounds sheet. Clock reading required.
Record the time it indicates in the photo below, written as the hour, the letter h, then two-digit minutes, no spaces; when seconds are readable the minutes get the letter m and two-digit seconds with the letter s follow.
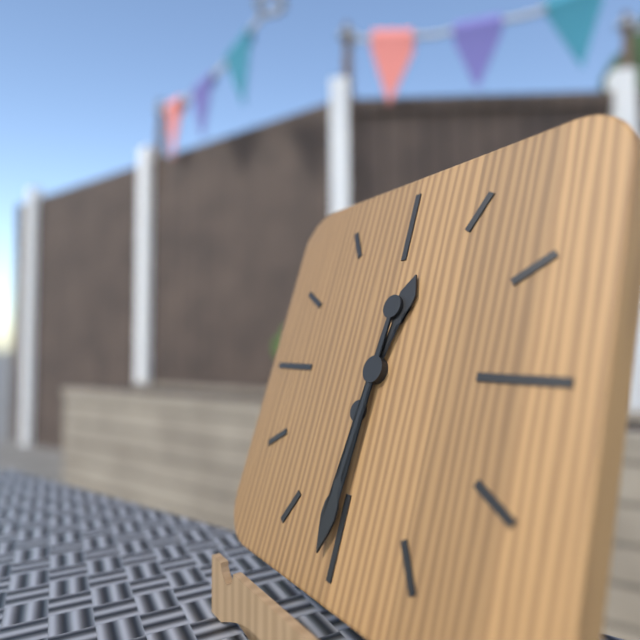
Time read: 12h31
